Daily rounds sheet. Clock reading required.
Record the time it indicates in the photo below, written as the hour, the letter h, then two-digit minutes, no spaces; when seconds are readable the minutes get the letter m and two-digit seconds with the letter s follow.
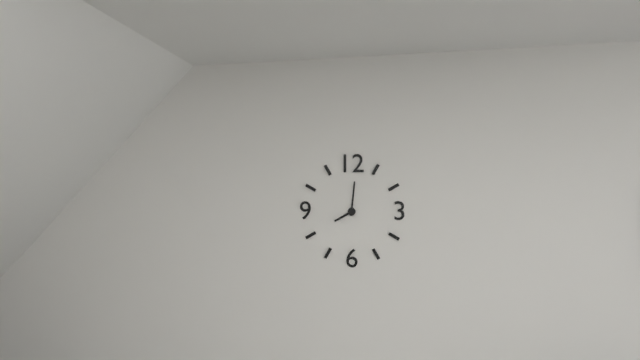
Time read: 8h01
